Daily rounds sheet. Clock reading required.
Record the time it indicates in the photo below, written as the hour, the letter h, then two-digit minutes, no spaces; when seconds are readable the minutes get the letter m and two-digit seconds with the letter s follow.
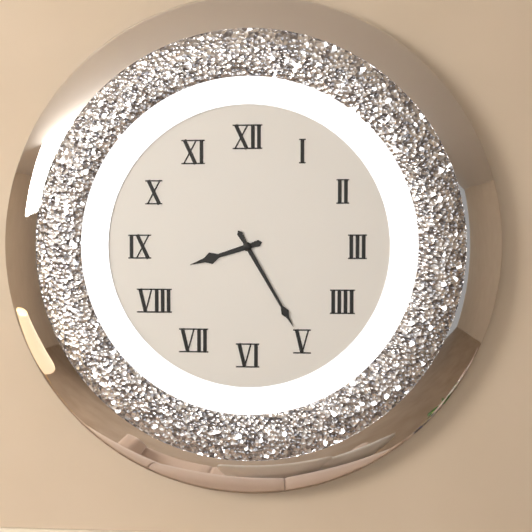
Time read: 8h25
